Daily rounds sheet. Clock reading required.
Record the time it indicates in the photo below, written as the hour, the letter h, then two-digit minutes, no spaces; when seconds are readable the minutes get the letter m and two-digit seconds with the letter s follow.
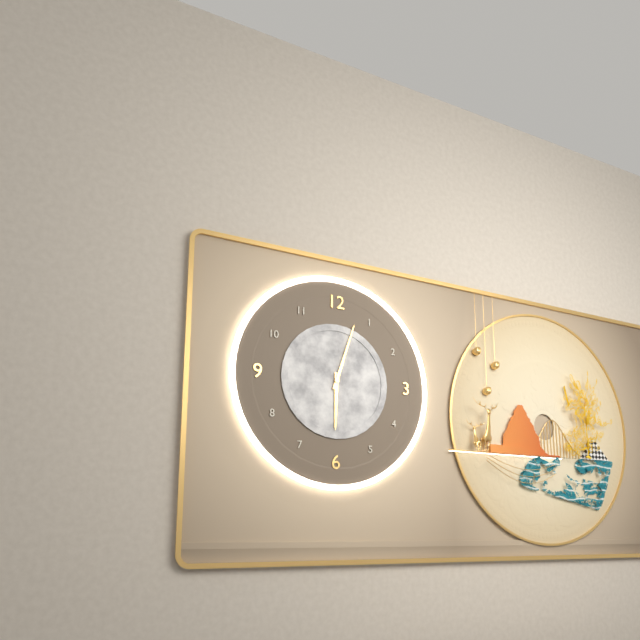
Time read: 6h03
